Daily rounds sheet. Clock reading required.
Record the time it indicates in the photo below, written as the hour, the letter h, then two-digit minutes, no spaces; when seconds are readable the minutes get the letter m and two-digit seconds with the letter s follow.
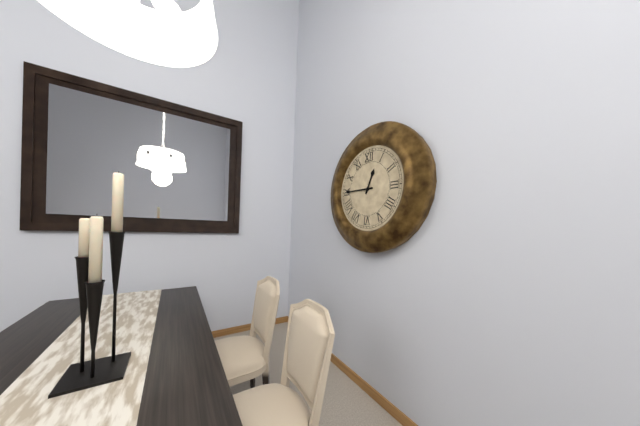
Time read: 12h45
